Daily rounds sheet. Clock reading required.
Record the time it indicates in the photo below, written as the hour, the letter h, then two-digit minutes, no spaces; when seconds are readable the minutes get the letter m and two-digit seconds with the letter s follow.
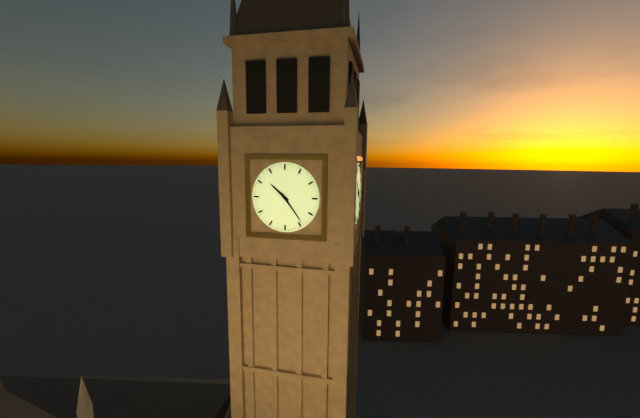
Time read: 10h24
